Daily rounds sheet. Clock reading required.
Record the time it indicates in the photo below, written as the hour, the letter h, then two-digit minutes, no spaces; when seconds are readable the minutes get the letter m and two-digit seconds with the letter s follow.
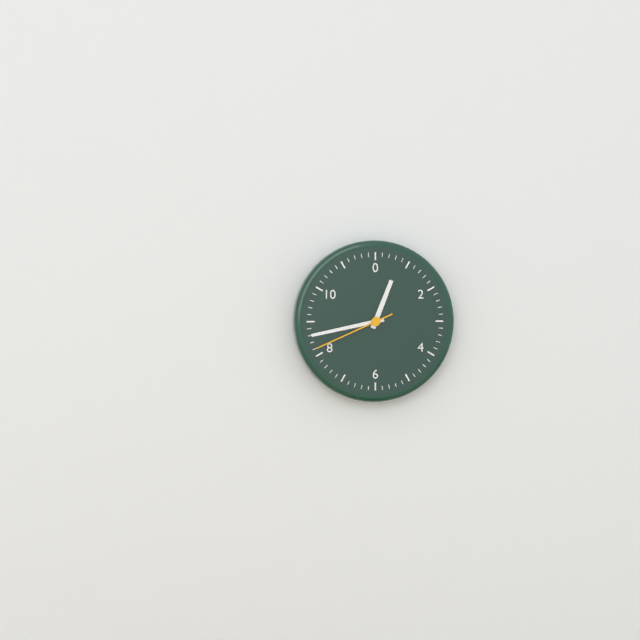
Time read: 12h43m41s
